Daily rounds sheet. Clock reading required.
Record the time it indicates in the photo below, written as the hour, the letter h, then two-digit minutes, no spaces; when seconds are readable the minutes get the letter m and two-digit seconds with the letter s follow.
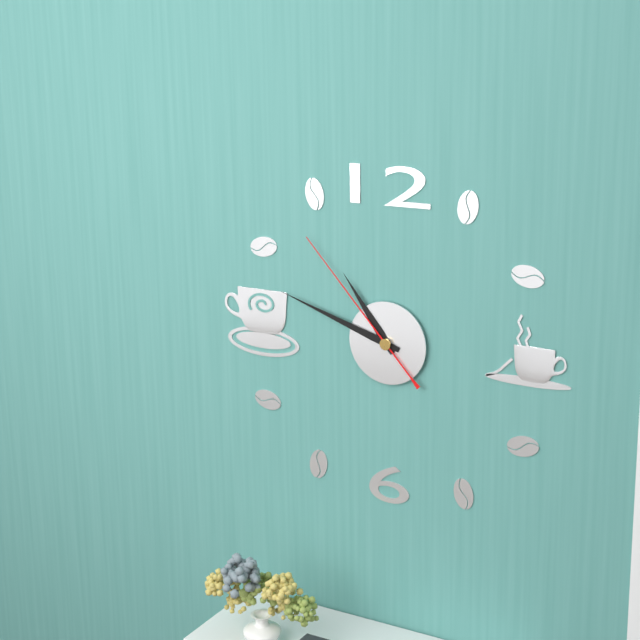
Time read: 10h48m53s
